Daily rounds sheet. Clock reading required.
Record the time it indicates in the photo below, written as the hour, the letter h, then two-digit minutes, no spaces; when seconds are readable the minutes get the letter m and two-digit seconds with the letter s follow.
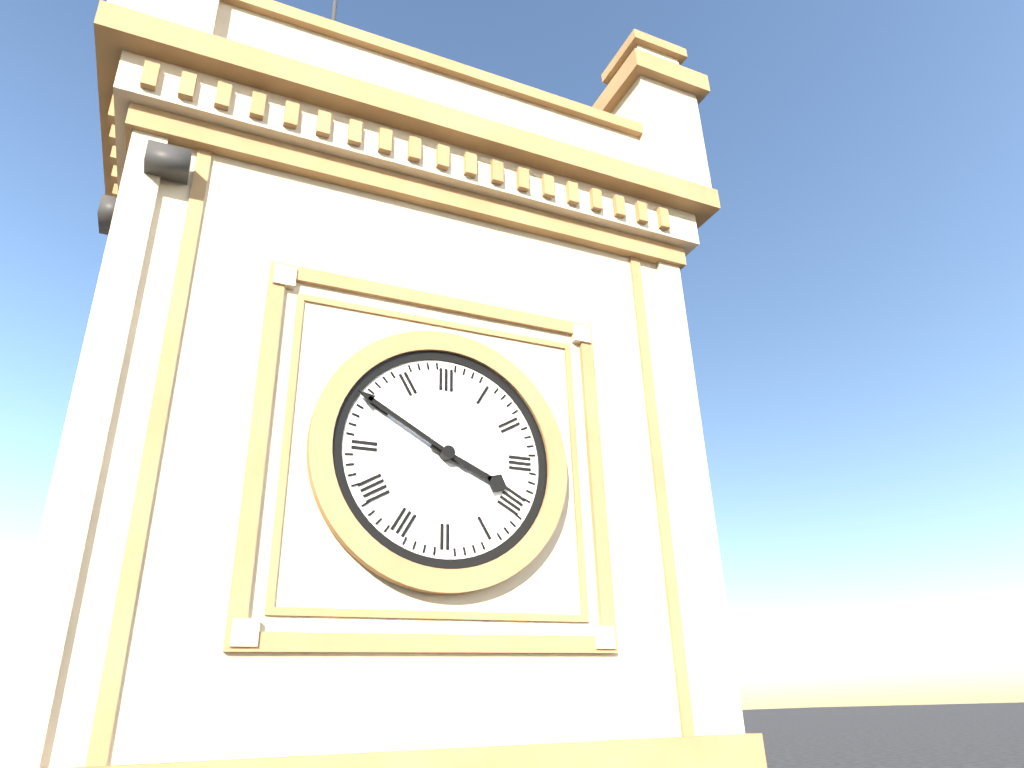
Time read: 3h50
